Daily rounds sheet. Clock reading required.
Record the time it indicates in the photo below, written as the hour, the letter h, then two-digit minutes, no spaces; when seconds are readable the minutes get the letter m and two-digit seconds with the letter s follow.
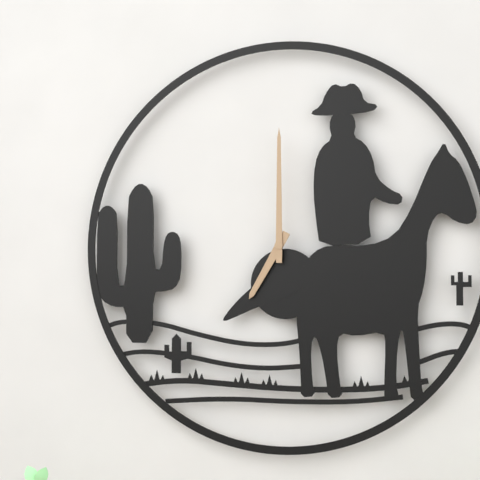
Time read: 7h00
